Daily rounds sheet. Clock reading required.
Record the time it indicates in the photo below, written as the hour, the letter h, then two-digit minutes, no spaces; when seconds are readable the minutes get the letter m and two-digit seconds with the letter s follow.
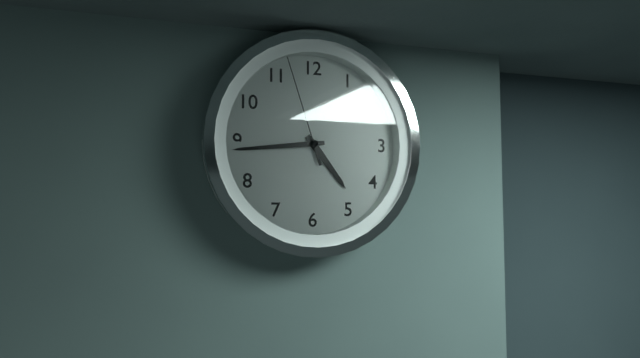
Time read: 4h44m57s
